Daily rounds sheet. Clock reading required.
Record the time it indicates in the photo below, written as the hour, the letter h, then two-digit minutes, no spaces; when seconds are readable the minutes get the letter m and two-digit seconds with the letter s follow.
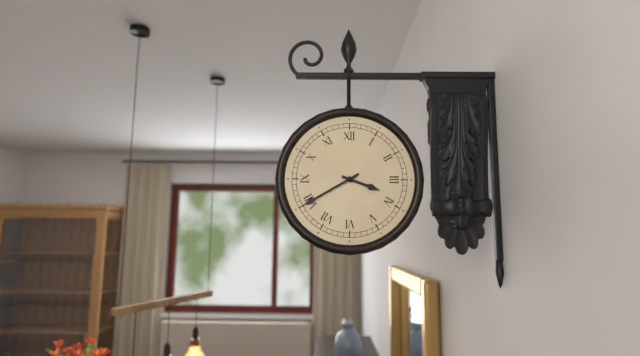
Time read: 3h40
